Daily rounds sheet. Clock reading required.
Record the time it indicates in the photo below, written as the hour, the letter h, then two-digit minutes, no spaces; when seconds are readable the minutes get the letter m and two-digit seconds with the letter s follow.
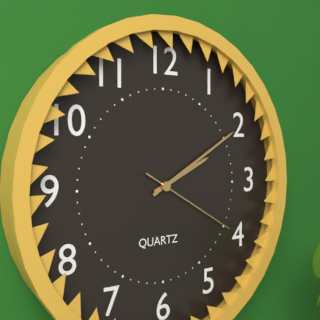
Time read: 2h10m20s
